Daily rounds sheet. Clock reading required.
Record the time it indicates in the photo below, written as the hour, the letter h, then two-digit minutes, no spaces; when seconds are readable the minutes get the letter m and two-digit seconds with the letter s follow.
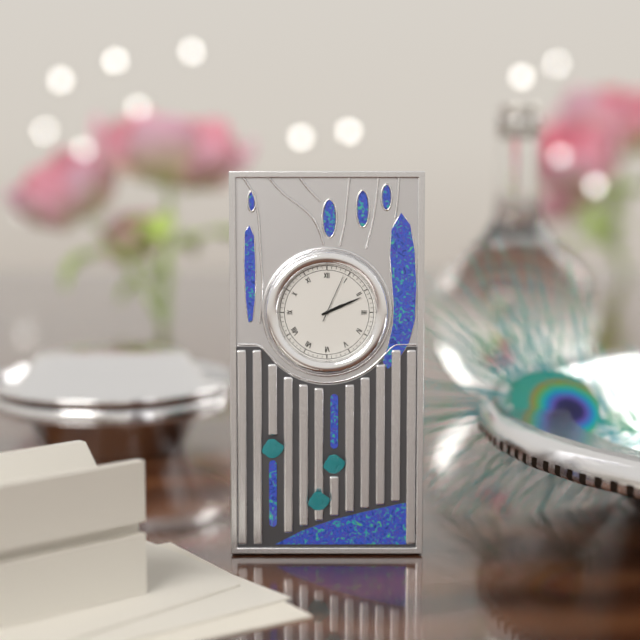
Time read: 2h11m04s
